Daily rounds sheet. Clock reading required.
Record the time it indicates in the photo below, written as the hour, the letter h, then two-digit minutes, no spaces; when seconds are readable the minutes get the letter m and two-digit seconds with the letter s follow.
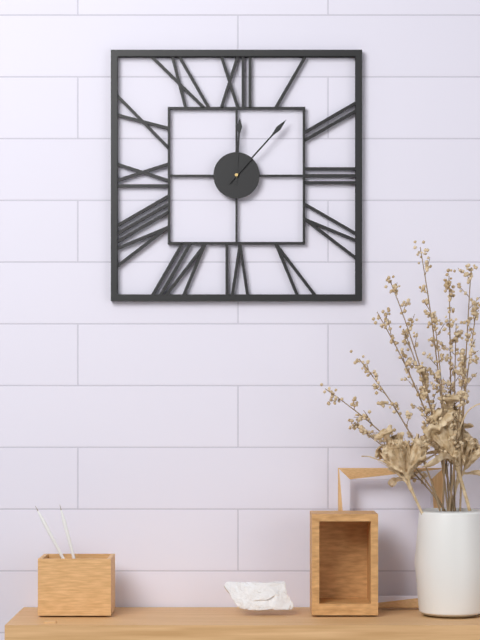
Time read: 12h07
